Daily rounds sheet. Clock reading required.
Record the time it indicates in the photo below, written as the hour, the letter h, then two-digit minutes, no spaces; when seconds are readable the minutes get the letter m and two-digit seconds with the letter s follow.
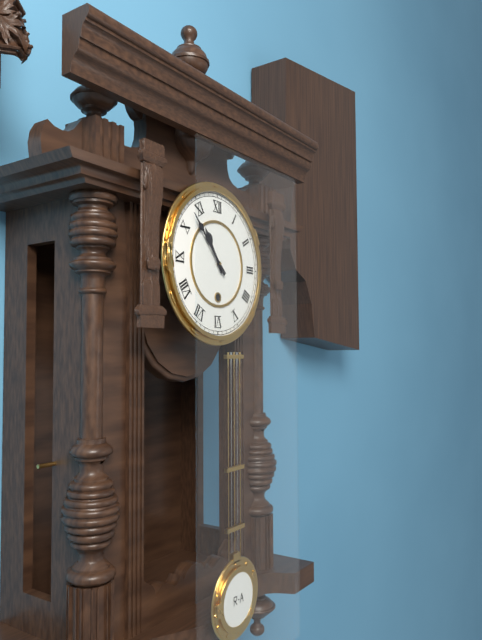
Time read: 10h53
